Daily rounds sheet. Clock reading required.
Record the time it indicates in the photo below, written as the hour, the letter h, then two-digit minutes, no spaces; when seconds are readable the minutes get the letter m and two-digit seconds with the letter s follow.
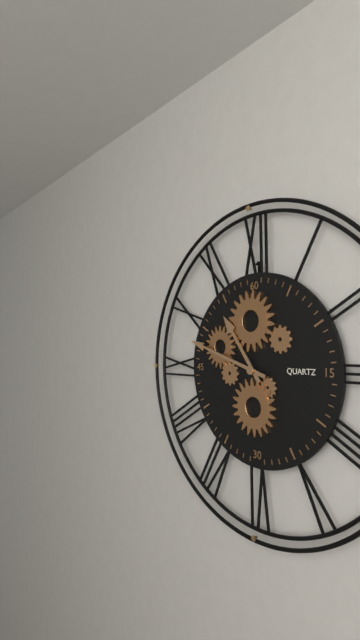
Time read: 10h48
